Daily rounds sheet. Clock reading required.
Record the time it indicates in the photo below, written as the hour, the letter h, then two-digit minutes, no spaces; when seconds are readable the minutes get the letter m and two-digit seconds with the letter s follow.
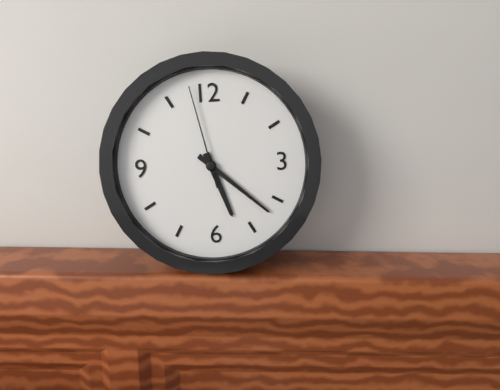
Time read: 5h22m58s
